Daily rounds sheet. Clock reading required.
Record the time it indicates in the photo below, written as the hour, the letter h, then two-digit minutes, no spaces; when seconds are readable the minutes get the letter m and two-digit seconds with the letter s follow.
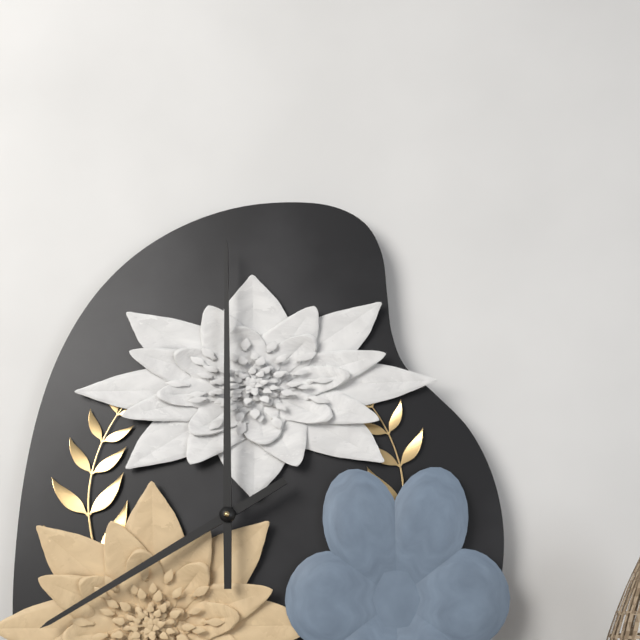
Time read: 8h00
